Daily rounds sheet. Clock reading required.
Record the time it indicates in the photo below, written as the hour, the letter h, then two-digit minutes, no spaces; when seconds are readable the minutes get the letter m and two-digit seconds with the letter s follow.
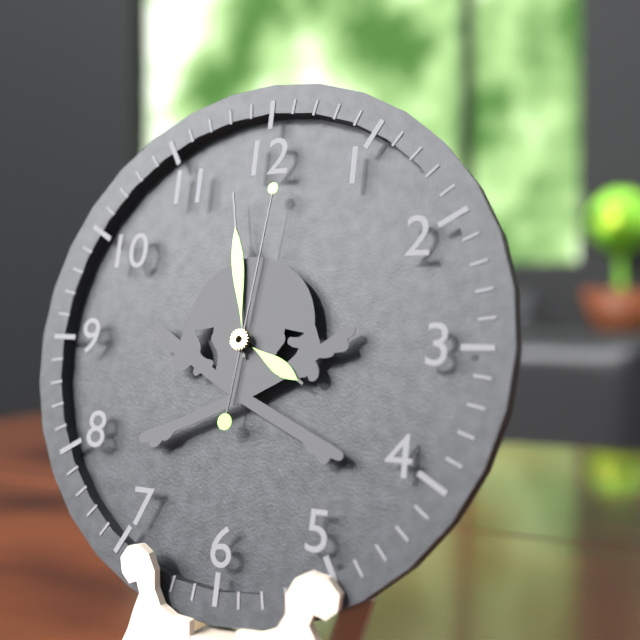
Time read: 3h58m01s
